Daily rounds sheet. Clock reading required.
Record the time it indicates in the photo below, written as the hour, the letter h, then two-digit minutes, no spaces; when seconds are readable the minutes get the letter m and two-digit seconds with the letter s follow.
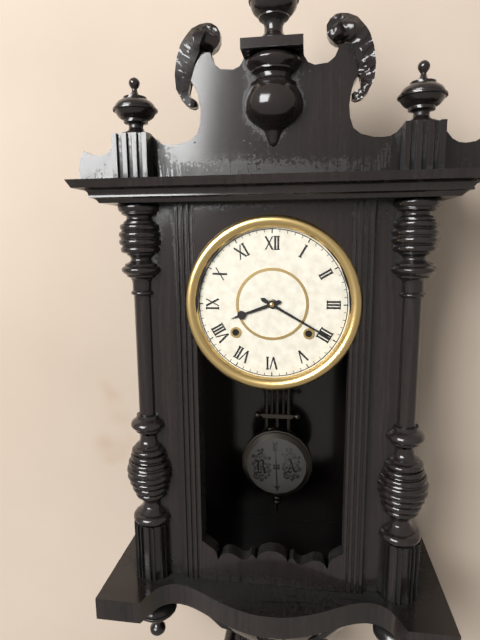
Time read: 8h20
